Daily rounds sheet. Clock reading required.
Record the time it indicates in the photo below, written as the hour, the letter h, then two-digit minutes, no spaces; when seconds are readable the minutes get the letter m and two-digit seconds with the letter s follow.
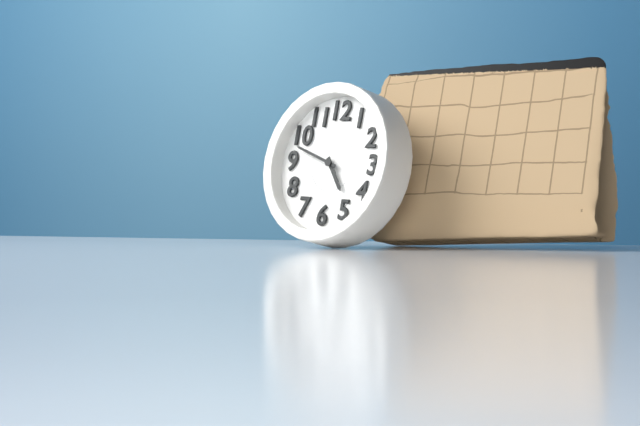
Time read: 4h48
